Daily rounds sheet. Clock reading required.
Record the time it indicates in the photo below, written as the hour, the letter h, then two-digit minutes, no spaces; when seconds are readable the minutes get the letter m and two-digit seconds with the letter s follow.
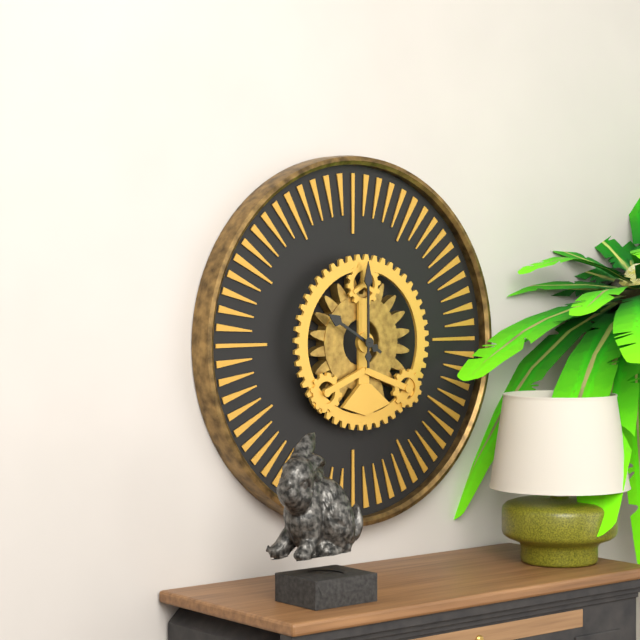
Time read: 10h00
